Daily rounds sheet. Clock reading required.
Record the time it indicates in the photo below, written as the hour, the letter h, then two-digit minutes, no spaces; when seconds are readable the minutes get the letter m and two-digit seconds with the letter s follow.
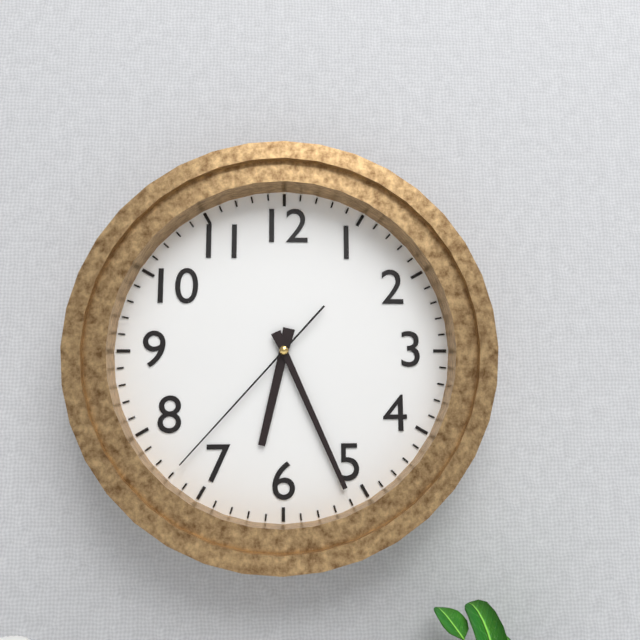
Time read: 6h26m37s
